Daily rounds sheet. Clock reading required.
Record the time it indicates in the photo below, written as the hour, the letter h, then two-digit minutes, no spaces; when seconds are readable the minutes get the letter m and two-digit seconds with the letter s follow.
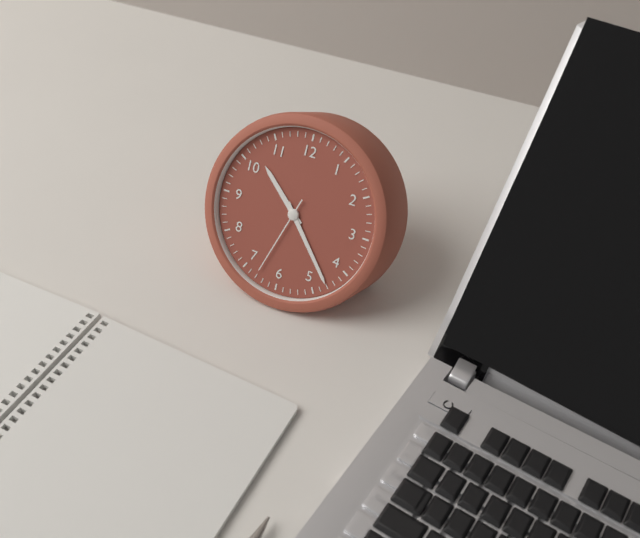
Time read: 10h23m33s
